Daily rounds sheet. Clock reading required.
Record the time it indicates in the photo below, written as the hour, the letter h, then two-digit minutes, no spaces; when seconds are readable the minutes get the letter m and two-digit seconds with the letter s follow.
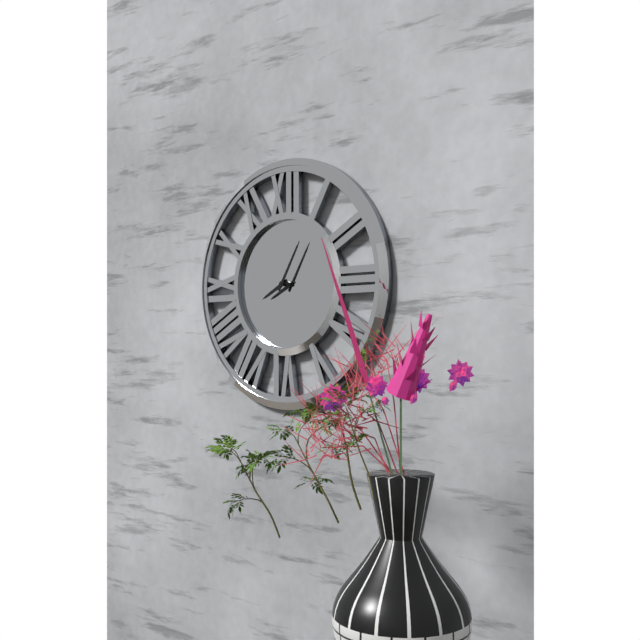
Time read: 8h05
